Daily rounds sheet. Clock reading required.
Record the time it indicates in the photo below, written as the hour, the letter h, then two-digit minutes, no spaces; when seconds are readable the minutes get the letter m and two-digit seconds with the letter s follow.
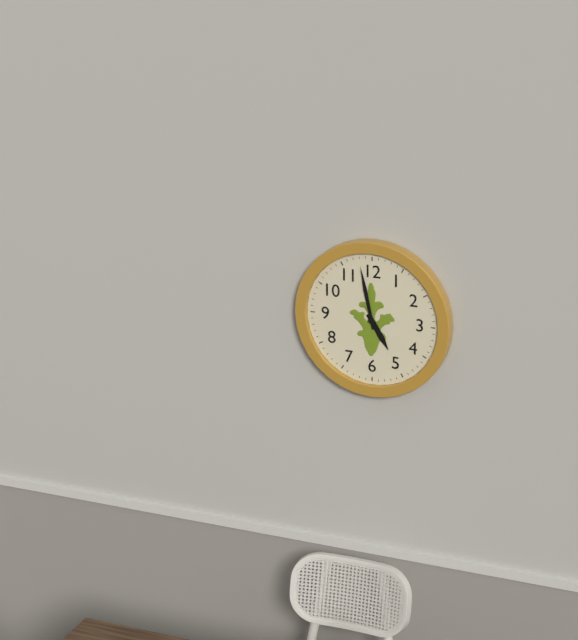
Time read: 4h58
